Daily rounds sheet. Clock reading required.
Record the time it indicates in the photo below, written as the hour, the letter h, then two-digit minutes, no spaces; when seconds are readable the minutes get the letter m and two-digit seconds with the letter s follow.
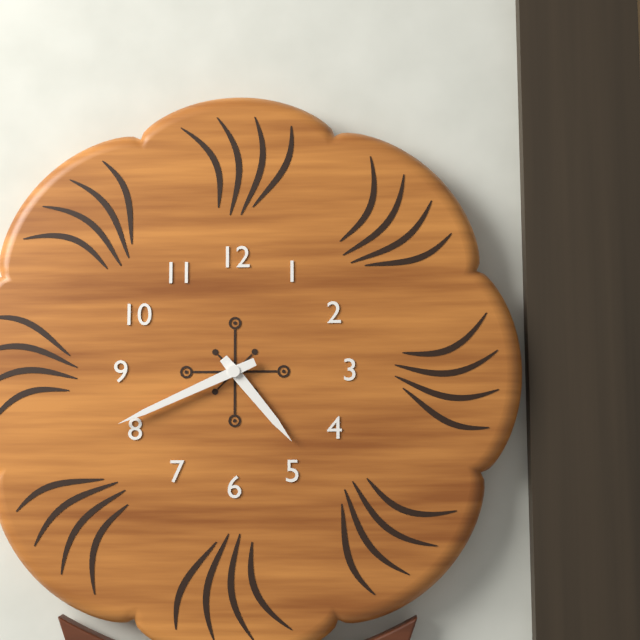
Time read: 4h41
